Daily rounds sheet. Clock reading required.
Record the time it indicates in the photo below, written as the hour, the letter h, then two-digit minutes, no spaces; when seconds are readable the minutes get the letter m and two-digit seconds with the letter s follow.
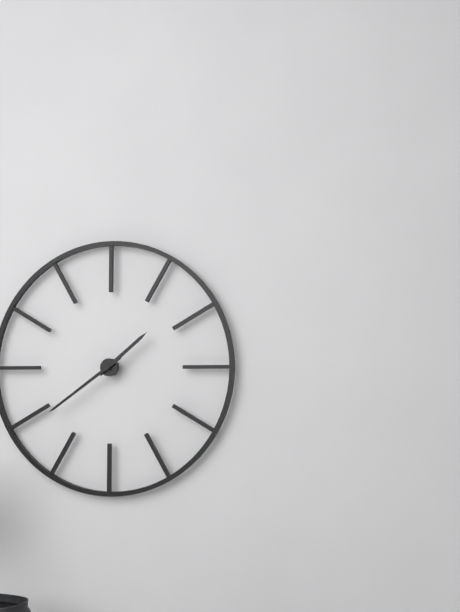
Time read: 1h39
